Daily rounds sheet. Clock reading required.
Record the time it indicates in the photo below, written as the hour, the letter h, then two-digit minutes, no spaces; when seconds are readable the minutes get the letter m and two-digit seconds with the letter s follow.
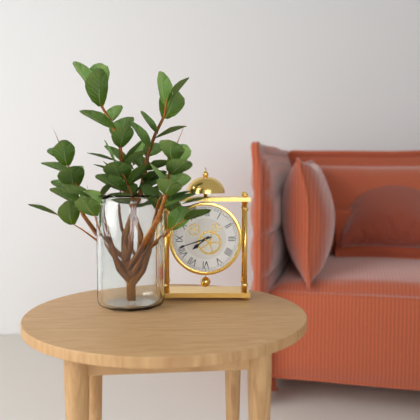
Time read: 7h42
